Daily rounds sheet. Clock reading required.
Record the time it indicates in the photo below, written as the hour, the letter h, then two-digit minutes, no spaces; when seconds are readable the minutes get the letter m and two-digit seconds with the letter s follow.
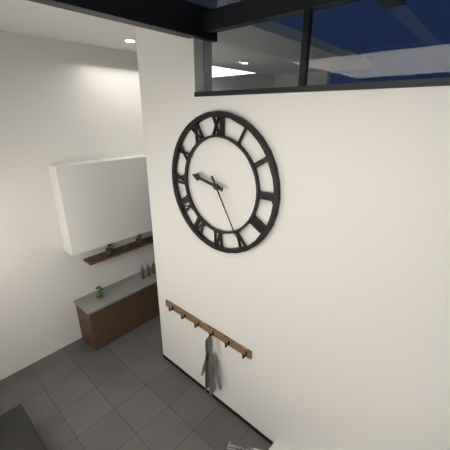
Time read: 9h25
